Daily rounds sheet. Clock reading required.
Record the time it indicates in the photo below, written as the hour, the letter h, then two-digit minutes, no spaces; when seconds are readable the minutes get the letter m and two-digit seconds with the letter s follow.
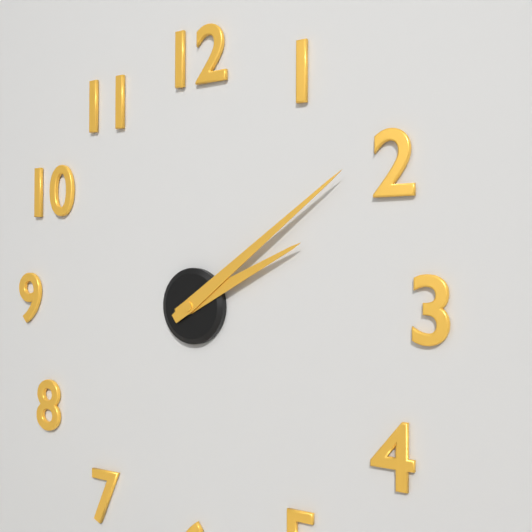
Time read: 2h09
